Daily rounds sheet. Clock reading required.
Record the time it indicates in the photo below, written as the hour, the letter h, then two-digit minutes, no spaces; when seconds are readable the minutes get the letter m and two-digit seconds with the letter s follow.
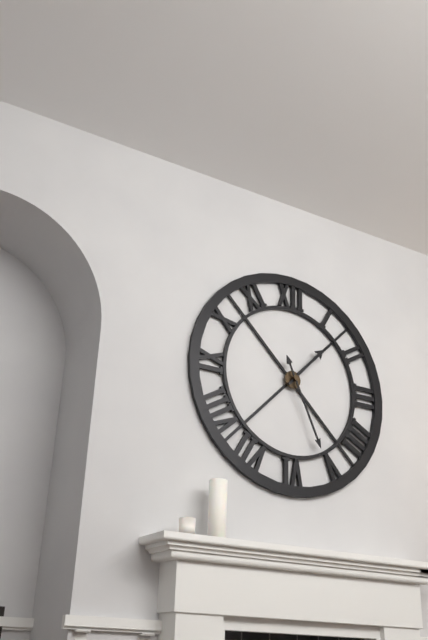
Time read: 1h26
